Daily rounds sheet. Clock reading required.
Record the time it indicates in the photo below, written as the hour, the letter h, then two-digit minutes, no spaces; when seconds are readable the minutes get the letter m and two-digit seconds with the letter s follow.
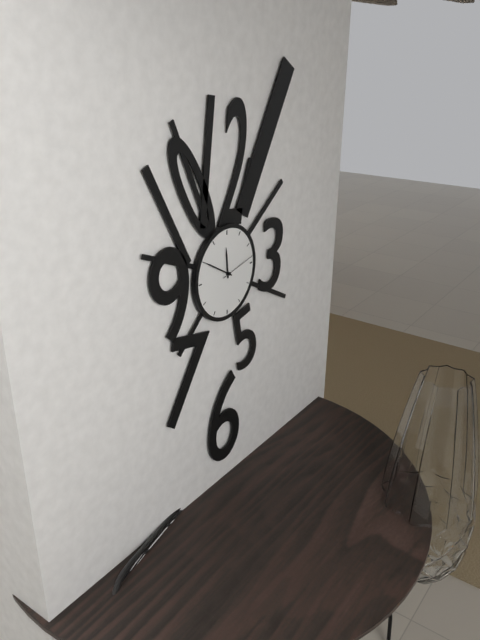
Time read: 11h50
